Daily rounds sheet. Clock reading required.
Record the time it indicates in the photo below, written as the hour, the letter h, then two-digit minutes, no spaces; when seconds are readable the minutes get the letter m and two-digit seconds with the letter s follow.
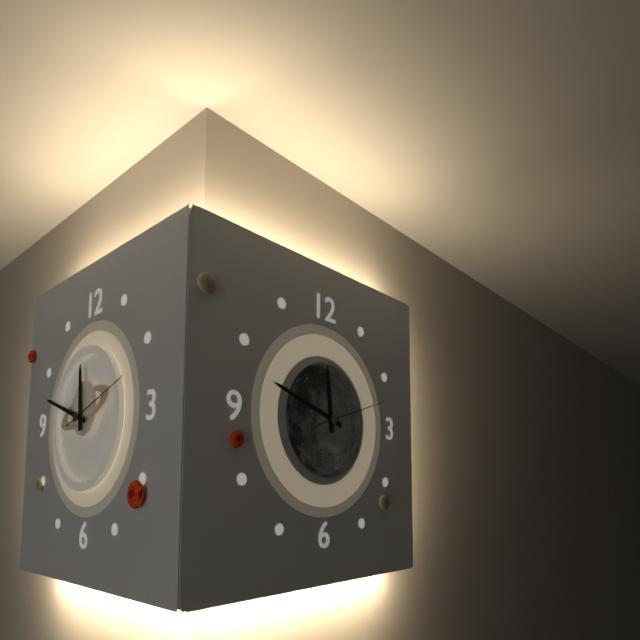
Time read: 11h48m12s
